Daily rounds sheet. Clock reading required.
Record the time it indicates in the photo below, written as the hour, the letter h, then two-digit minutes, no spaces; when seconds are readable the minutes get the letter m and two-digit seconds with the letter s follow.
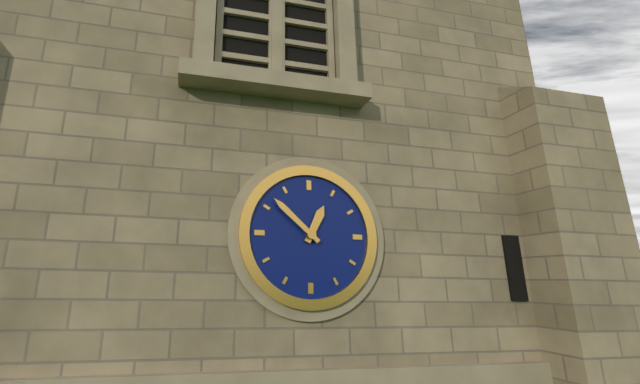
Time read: 12h52
